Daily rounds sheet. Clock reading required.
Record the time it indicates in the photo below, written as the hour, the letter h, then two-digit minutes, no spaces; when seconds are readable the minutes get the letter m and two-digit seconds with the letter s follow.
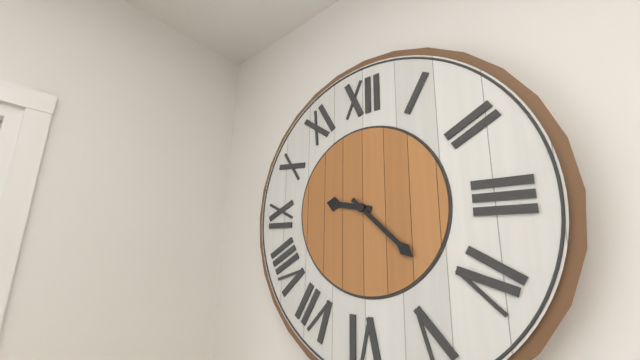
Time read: 9h22
